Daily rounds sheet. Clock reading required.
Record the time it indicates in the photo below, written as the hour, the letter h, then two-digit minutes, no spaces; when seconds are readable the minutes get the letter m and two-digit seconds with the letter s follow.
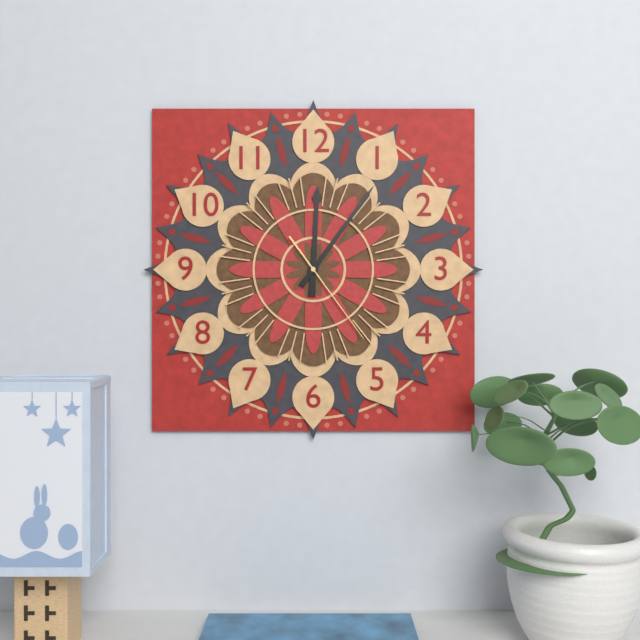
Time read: 12h06m24s
